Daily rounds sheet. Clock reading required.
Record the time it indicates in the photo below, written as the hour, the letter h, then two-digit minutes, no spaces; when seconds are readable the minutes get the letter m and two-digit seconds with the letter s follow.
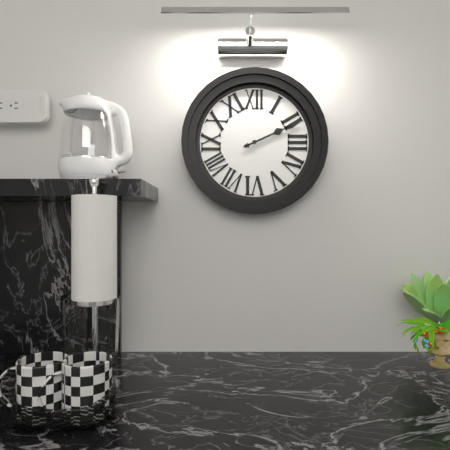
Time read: 2h11
